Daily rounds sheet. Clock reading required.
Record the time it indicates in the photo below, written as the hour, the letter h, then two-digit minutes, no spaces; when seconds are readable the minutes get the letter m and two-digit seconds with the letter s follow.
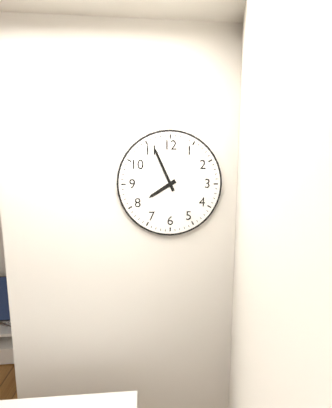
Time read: 7h56
